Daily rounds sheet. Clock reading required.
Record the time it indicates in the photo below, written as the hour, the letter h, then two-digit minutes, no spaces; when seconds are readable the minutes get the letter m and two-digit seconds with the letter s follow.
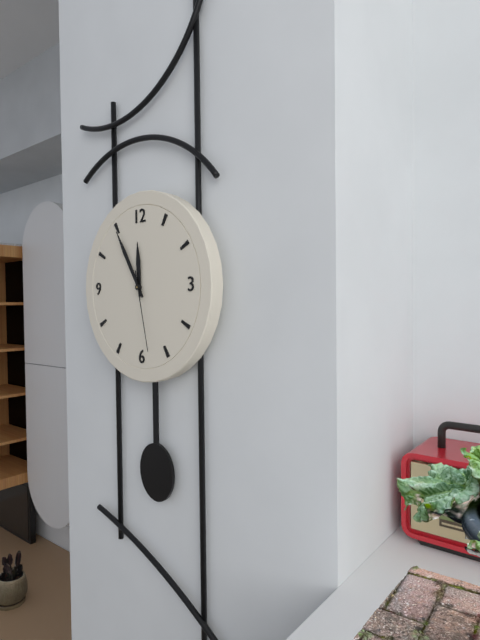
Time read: 11h55m28s
